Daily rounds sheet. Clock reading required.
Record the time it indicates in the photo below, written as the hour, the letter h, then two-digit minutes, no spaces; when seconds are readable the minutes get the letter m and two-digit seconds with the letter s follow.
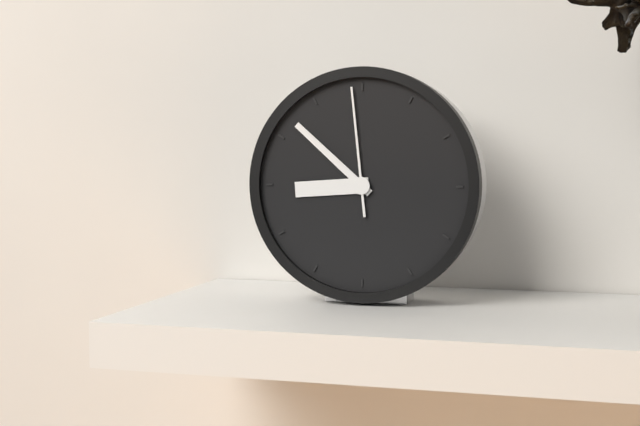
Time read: 8h52m59s
